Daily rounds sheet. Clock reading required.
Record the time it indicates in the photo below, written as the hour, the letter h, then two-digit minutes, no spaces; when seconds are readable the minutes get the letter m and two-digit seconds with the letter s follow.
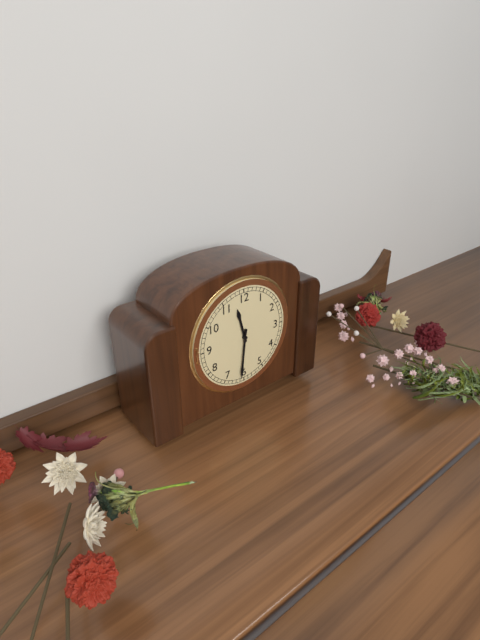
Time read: 11h31
